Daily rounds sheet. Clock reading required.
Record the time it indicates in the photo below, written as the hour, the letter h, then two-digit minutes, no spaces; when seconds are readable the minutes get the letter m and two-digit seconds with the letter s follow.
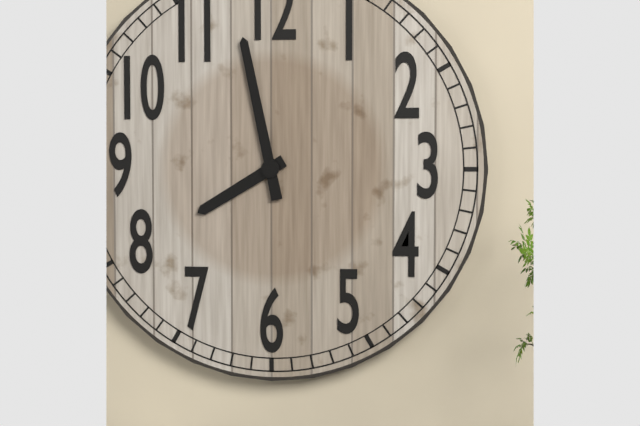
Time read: 7h58
